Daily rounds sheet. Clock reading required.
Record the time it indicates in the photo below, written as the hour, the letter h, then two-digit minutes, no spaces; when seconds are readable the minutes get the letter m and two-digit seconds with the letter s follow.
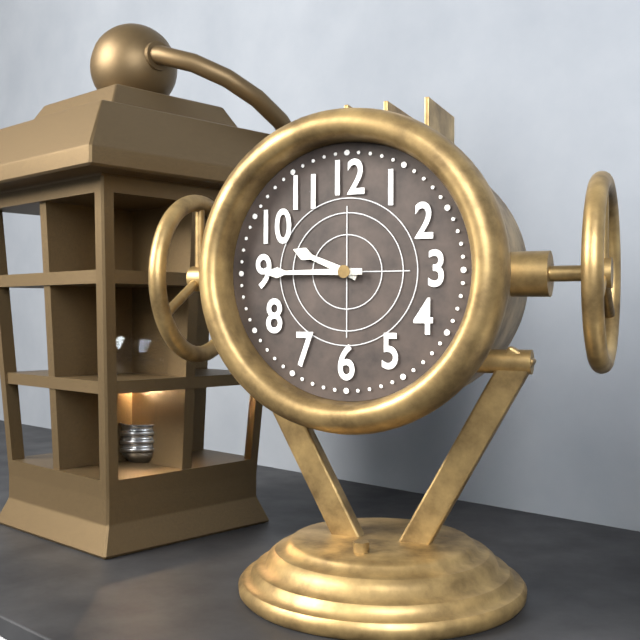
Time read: 9h45
